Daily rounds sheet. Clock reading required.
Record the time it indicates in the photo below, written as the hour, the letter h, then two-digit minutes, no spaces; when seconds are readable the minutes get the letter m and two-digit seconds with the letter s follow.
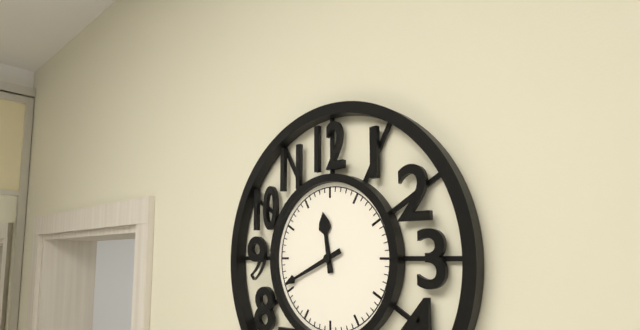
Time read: 11h41
